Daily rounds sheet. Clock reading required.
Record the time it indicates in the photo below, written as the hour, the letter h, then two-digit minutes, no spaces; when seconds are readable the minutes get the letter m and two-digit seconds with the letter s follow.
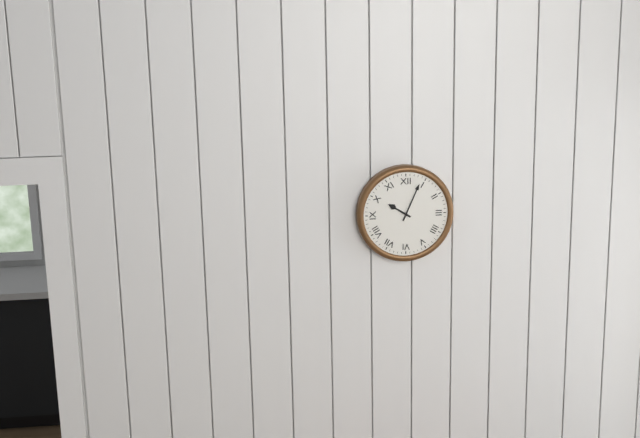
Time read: 10h04
